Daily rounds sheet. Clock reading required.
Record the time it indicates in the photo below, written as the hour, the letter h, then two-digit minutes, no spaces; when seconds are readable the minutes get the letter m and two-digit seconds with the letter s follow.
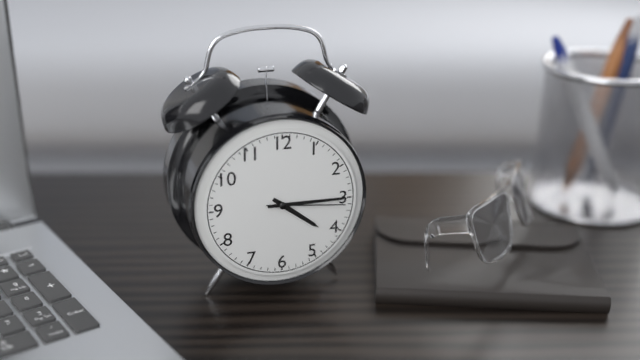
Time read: 4h15m16s
